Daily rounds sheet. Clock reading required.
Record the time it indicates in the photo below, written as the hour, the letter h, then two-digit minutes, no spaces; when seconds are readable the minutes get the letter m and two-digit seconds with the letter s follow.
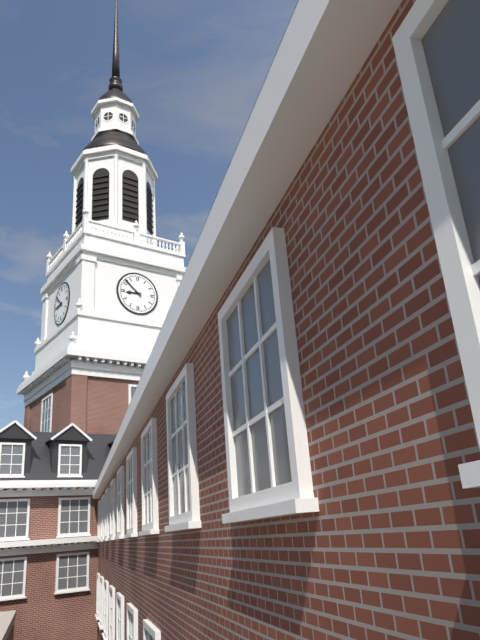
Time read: 8h52
